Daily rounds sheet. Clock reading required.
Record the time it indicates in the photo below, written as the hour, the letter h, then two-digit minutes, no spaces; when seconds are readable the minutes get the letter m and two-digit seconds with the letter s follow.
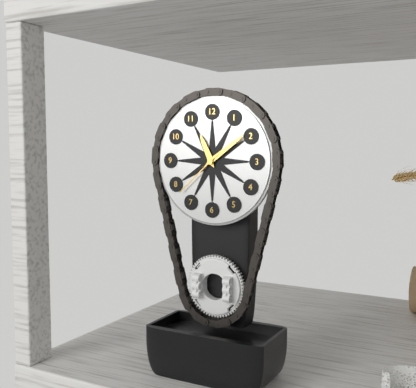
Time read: 11h09m38s
